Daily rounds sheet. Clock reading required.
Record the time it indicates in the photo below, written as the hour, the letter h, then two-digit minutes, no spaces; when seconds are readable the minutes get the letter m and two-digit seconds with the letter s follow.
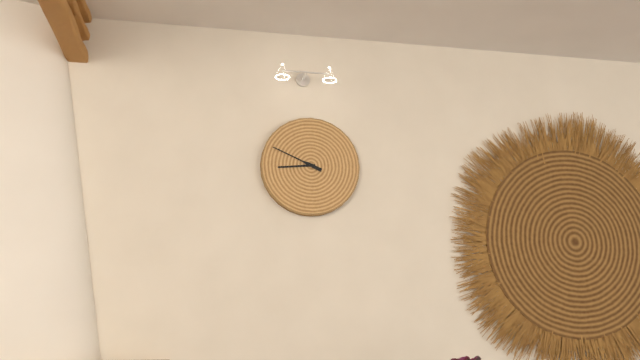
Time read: 8h49
